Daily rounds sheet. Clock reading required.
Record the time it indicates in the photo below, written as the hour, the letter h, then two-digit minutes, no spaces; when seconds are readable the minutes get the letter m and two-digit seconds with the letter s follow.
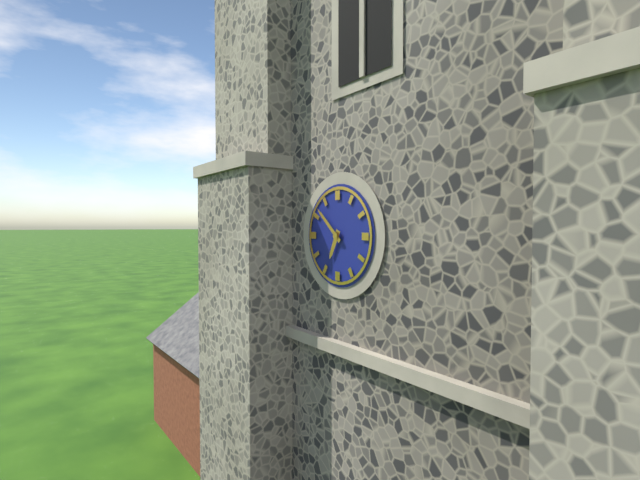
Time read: 6h52
